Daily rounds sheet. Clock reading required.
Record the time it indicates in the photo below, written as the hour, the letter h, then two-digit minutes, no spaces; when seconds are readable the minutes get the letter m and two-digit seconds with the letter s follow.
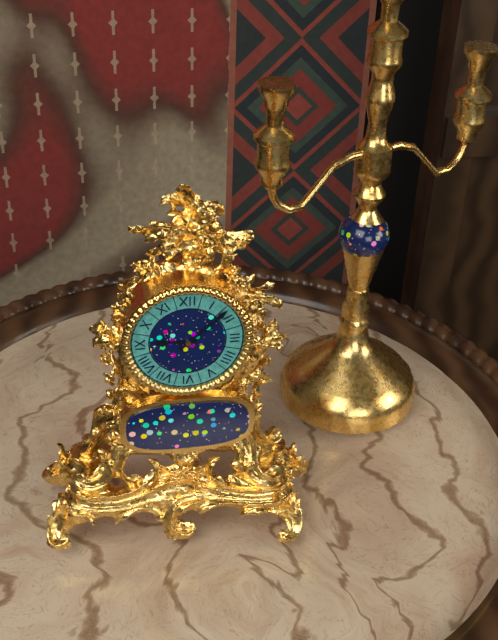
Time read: 9h08
